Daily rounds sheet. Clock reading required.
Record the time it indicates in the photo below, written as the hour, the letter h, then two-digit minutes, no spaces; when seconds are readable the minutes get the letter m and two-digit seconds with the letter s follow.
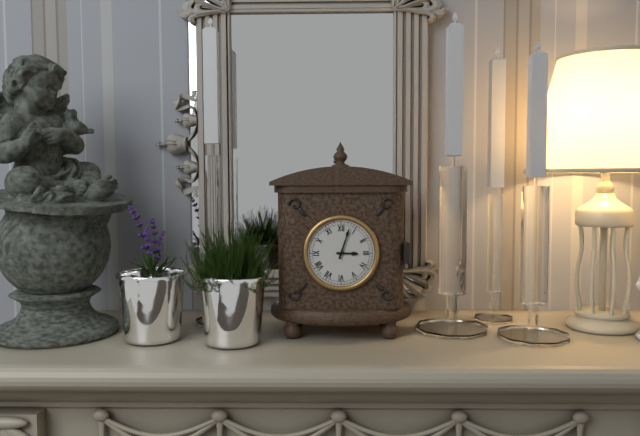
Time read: 3h03
